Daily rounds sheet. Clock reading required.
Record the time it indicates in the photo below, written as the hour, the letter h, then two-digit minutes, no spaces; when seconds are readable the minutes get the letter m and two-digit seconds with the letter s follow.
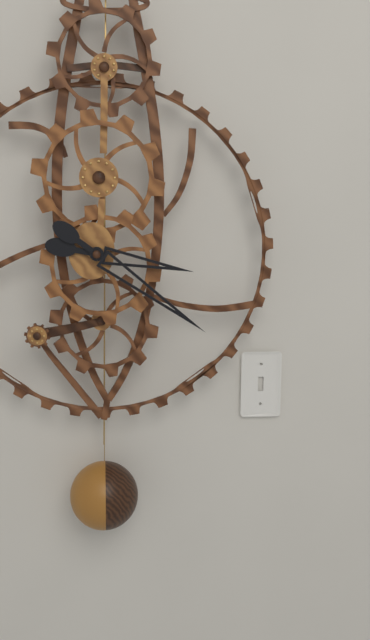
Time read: 3h21
